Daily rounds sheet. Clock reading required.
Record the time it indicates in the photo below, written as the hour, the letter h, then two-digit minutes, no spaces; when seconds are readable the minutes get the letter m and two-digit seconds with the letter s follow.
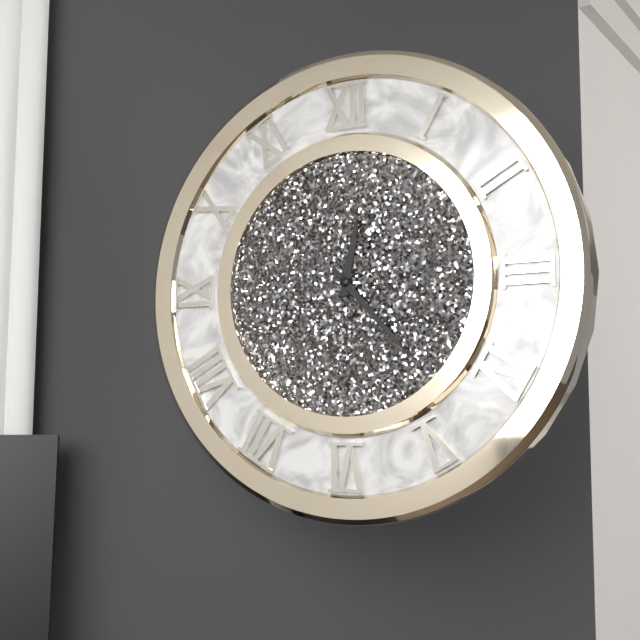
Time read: 12h23
